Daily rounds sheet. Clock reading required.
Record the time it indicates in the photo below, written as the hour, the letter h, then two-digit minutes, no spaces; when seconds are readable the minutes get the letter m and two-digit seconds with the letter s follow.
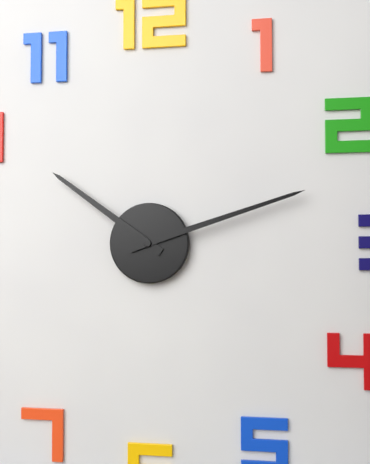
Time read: 10h12
